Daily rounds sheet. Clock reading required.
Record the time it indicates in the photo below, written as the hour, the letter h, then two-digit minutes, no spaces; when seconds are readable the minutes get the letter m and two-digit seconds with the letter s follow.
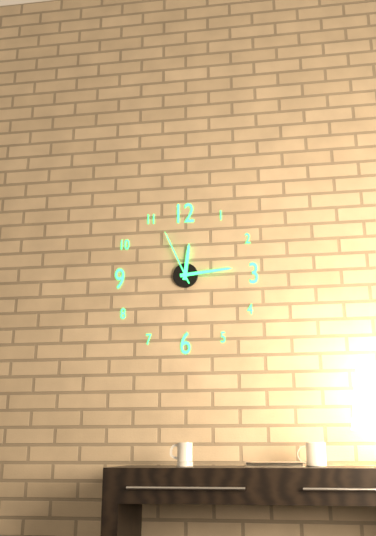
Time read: 12h14m56s
